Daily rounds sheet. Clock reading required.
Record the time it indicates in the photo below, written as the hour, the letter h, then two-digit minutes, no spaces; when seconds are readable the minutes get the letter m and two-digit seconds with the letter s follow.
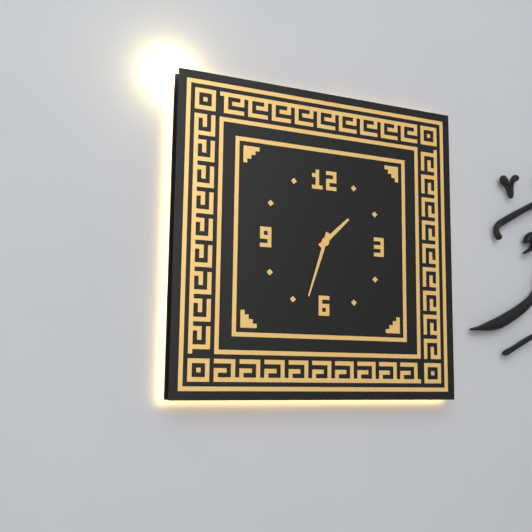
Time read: 1h33
